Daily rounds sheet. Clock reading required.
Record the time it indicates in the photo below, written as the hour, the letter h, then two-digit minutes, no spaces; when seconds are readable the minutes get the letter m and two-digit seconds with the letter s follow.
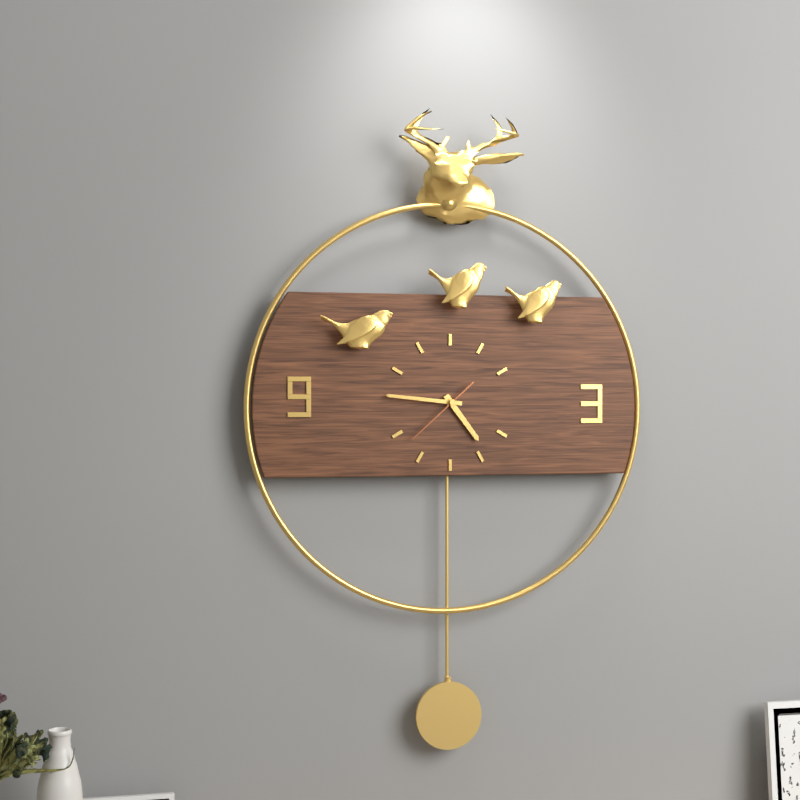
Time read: 4h46m38s
